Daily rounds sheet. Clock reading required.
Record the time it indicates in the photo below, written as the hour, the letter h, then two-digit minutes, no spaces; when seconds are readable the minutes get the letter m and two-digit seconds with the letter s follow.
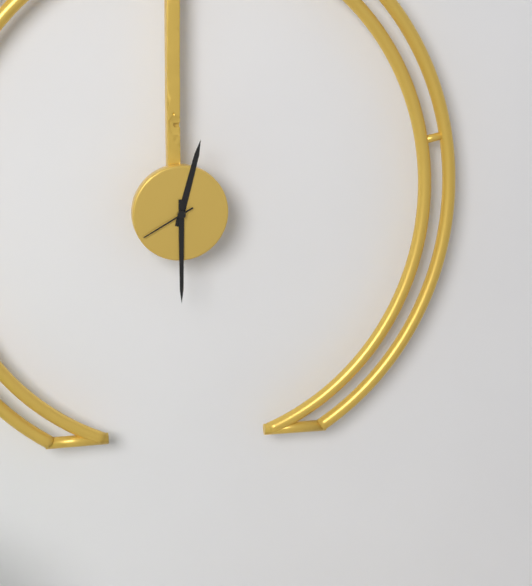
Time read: 12h30m40s
